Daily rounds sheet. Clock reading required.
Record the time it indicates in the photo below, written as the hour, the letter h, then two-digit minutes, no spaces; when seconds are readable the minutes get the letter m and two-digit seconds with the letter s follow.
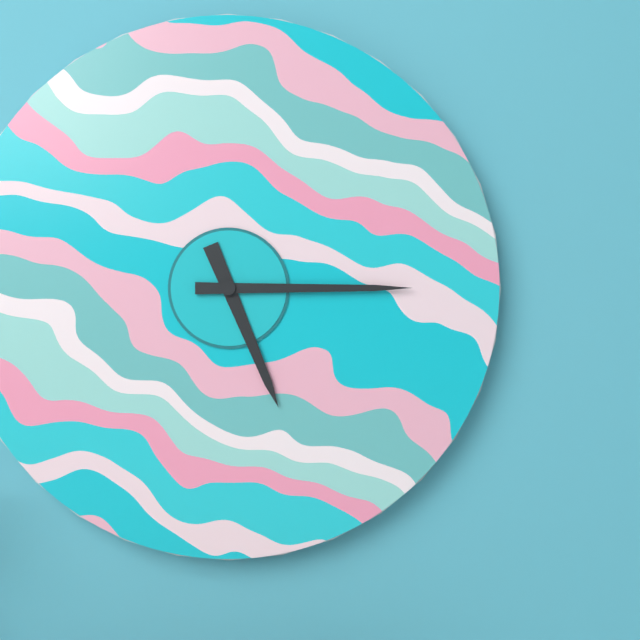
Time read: 5h15
